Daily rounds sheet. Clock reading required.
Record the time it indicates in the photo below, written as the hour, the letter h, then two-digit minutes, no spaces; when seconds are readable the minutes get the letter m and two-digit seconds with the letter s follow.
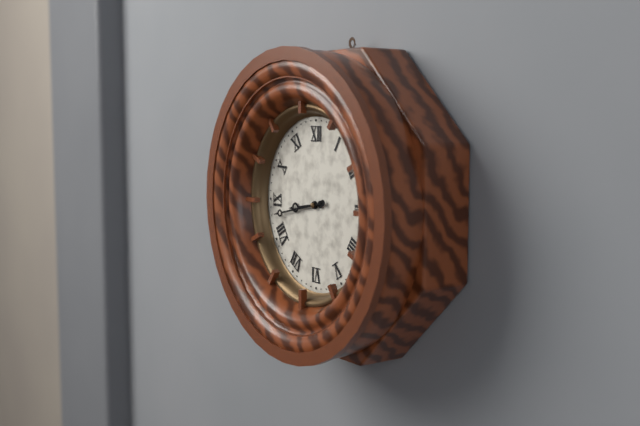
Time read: 8h43
